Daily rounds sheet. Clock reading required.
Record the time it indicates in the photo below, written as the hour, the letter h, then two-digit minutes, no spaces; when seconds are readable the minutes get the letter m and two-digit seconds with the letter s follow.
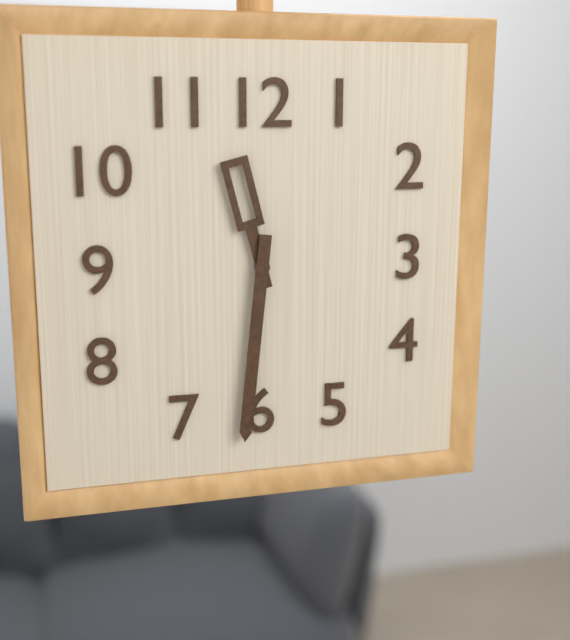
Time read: 11h31
